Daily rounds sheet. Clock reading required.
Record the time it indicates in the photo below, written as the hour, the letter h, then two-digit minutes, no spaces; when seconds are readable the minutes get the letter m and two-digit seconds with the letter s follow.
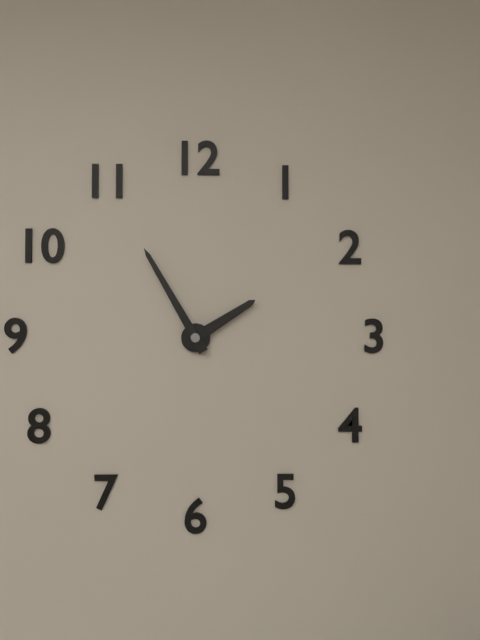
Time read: 1h55
